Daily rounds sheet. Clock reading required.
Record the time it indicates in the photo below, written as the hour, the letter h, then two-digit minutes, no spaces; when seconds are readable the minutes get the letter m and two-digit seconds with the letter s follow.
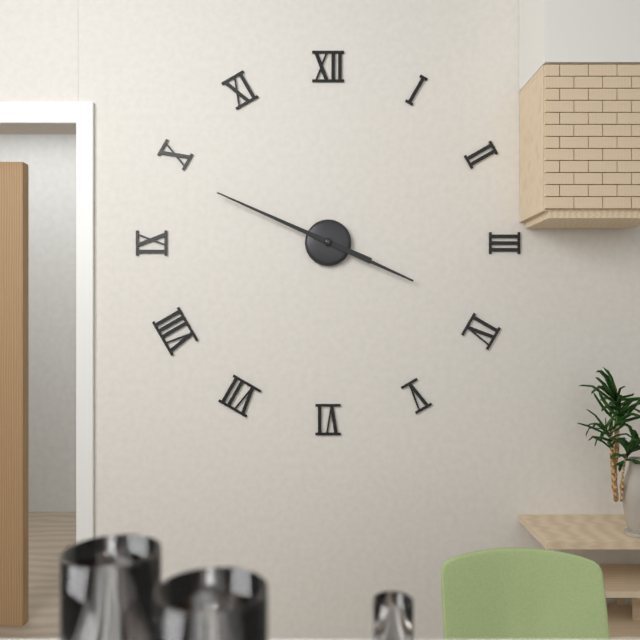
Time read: 3h49
